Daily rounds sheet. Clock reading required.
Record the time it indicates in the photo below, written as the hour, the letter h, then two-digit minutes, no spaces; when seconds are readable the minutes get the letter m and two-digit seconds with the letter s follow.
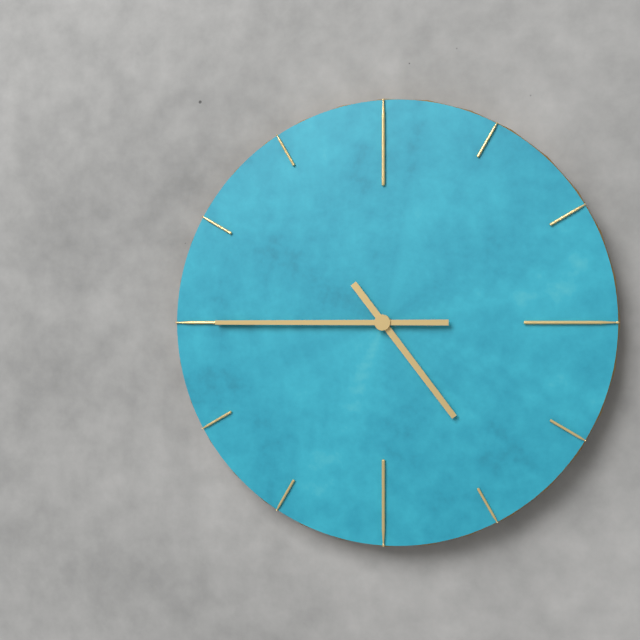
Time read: 4h45
